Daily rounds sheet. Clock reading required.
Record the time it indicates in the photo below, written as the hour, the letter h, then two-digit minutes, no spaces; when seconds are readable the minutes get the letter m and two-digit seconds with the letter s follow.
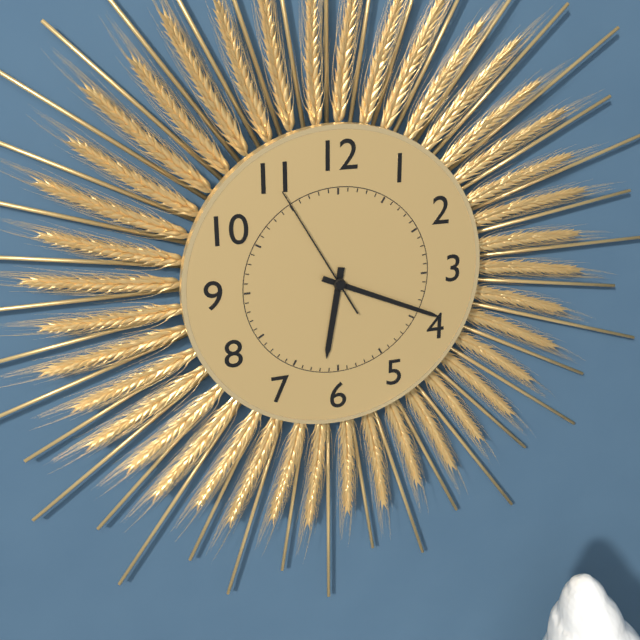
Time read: 6h19m55s
